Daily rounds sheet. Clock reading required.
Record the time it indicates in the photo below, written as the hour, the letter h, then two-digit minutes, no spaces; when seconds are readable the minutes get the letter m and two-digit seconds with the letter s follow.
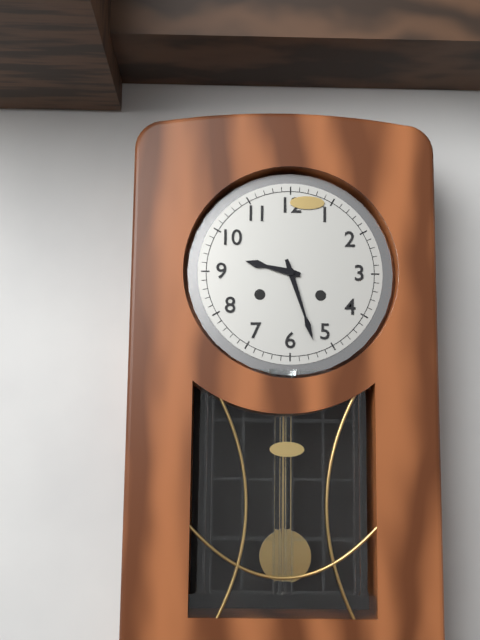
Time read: 9h27
